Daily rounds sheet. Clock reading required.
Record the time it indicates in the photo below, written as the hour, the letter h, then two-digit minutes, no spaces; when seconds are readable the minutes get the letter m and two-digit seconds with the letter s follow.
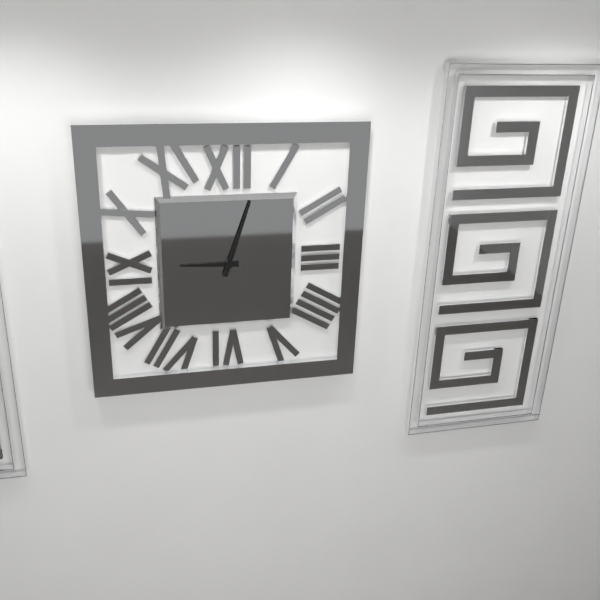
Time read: 9h03
